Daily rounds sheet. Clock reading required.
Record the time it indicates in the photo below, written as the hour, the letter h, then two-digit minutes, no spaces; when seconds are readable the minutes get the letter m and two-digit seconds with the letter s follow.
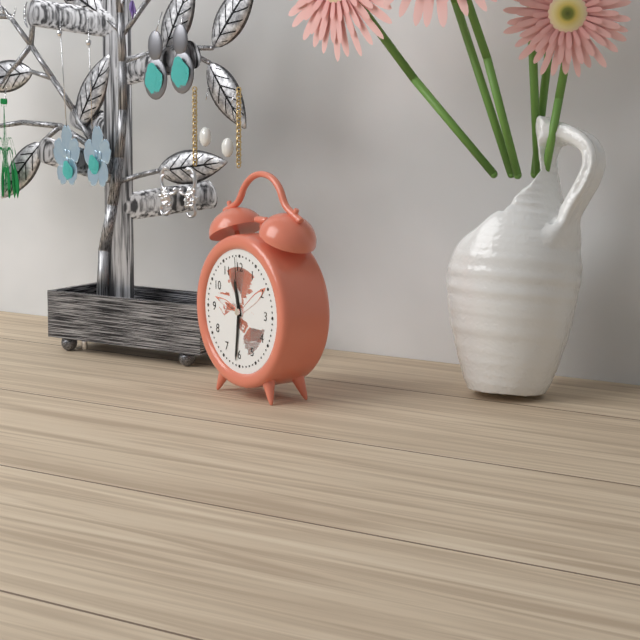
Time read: 11h31m59s
